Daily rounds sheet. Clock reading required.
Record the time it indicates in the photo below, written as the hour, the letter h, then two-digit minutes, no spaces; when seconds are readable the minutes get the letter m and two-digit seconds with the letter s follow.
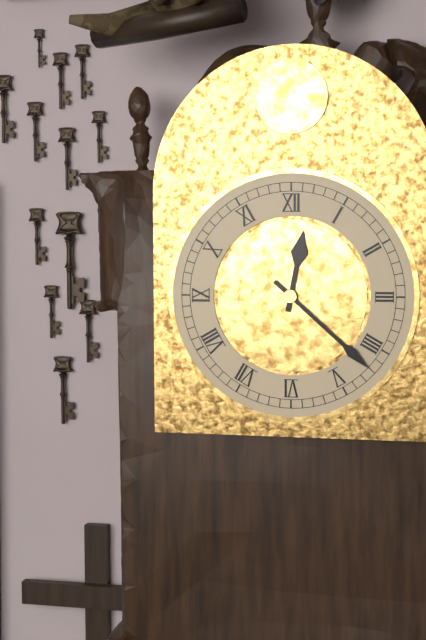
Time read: 12h22
